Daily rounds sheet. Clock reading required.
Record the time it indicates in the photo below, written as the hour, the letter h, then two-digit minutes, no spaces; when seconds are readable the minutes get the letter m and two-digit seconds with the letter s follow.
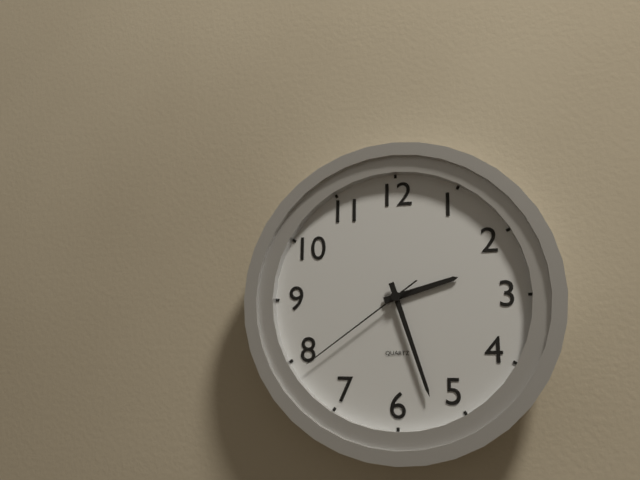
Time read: 2h27m39s
